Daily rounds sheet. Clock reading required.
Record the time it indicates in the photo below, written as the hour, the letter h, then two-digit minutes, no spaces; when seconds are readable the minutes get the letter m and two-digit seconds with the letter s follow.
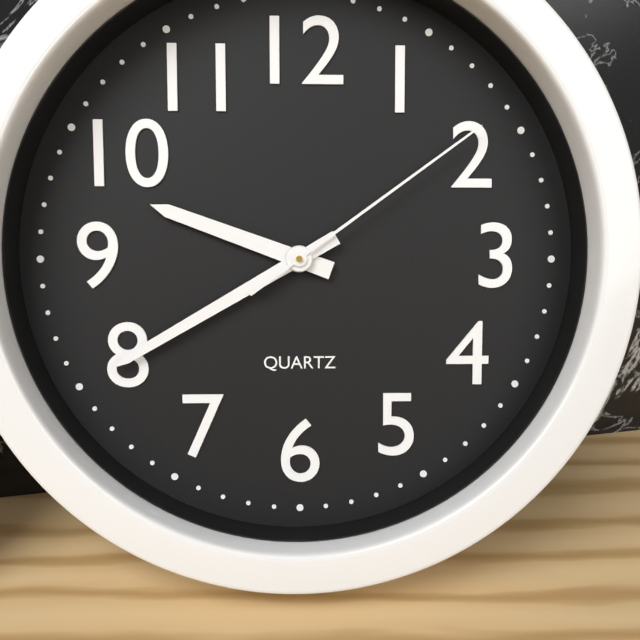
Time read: 9h40m09s
